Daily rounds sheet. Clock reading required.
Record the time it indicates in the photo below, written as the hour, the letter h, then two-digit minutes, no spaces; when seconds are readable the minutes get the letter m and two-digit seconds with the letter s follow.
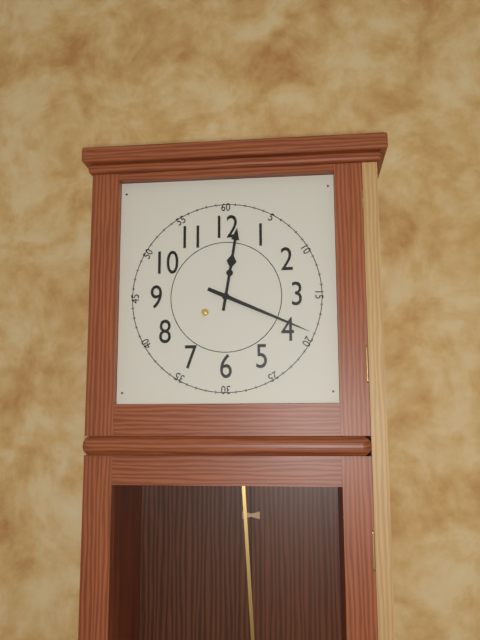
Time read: 12h19
